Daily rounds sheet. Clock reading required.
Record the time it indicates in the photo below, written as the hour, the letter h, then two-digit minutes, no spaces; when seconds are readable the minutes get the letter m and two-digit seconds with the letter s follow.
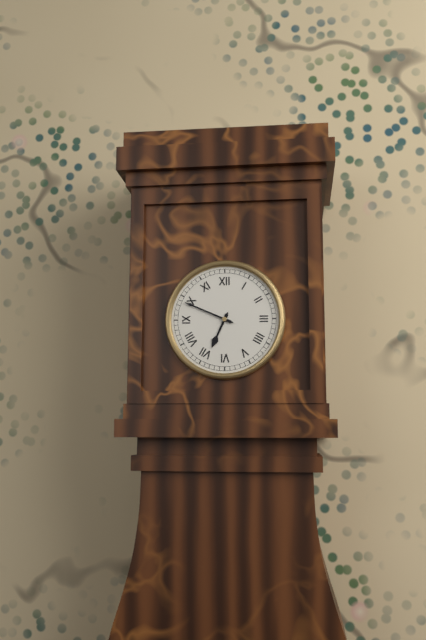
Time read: 6h49
